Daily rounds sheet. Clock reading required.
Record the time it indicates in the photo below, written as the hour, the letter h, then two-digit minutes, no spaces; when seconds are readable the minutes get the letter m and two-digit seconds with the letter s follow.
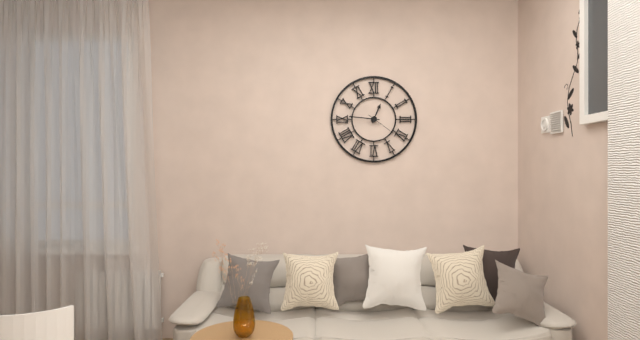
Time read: 12h46
